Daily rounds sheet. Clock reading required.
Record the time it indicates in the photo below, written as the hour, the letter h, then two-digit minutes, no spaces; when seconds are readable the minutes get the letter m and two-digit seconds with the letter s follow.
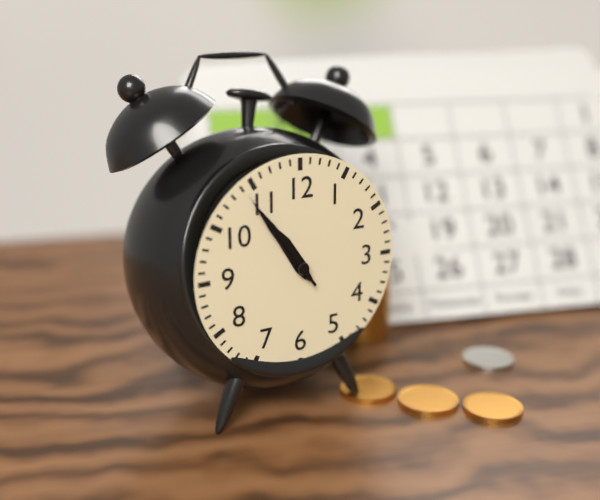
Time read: 10h54m54s
